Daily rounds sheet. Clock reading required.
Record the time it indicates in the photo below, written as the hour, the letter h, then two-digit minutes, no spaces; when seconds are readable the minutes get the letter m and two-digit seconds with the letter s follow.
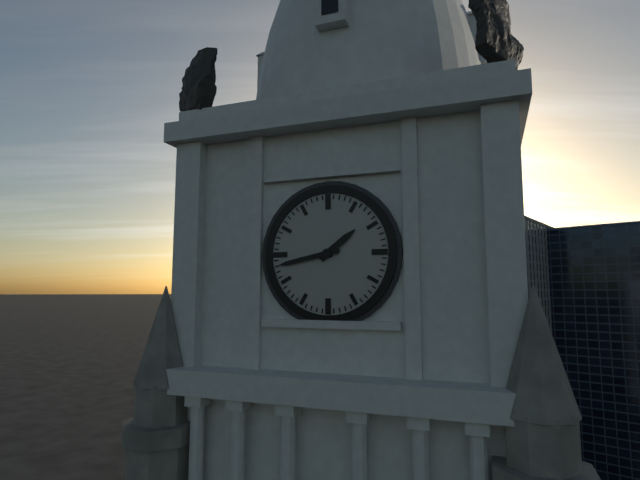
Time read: 1h43
